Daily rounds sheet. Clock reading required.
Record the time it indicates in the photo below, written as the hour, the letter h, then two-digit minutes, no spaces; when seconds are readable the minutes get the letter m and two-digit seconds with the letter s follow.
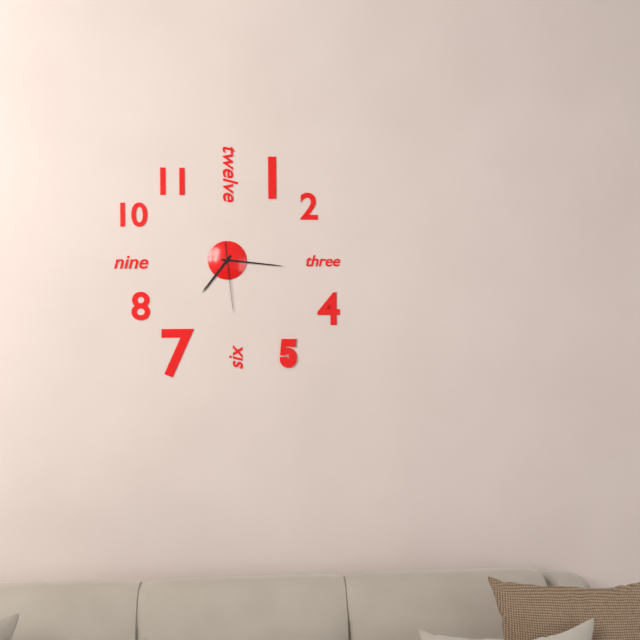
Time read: 7h16m29s
